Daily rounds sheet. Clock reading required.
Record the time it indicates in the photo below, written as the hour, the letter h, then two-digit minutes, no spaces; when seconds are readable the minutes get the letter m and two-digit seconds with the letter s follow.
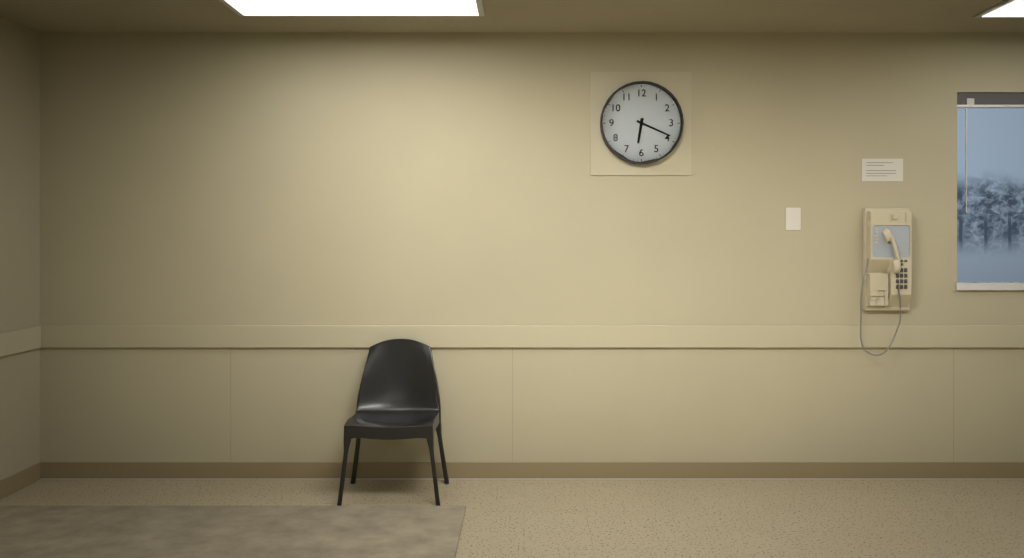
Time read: 6h19
